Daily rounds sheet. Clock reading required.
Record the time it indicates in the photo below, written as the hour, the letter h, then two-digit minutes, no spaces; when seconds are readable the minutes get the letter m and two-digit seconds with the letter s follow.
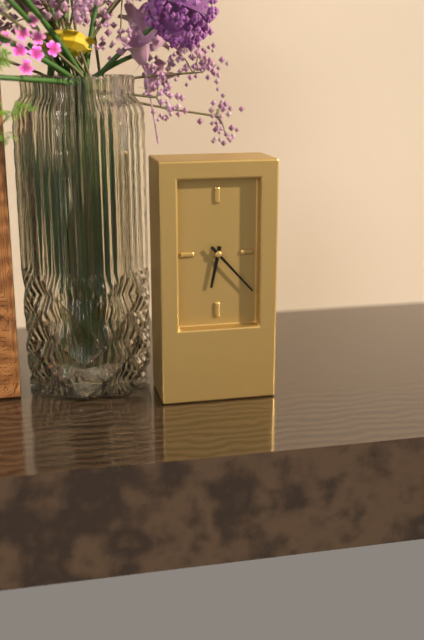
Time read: 6h23
